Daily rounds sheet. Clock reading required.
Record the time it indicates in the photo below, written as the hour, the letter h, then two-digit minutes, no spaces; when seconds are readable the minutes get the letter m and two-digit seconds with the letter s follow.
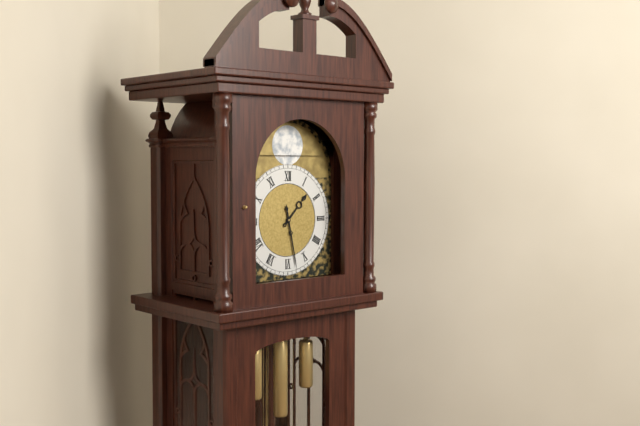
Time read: 1h28
